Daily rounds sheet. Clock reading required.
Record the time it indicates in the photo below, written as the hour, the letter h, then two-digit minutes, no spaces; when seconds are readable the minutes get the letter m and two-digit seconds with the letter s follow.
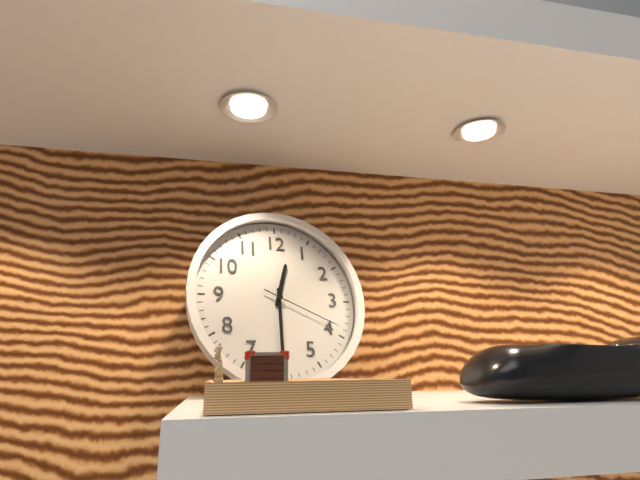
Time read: 12h30m19s
